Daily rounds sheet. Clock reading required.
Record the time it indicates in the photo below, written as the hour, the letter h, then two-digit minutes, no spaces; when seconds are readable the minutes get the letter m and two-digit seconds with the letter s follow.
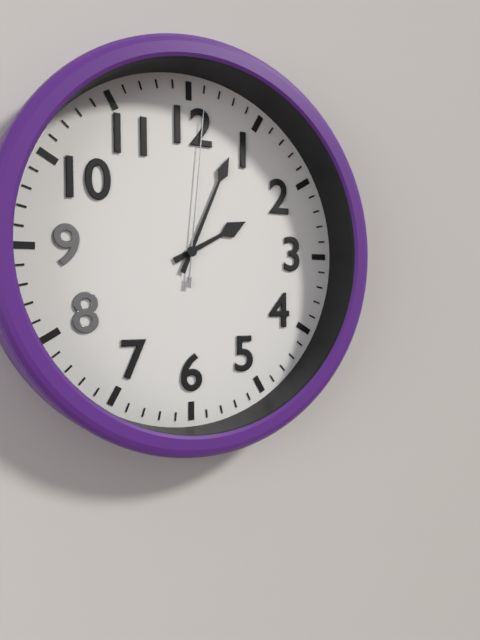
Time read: 2h04m01s
